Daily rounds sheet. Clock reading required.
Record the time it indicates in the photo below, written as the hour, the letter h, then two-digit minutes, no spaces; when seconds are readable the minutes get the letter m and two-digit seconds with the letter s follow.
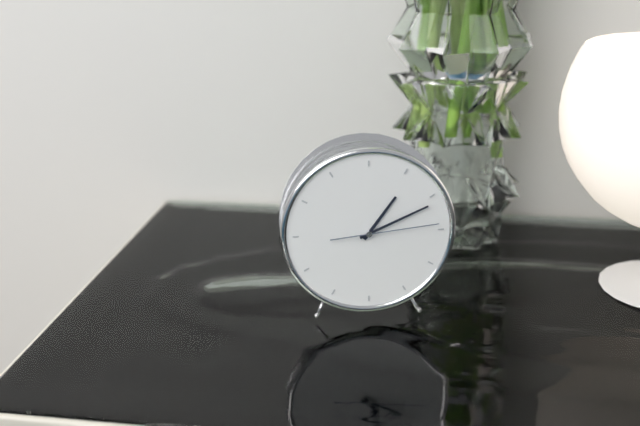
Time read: 1h11m14s
